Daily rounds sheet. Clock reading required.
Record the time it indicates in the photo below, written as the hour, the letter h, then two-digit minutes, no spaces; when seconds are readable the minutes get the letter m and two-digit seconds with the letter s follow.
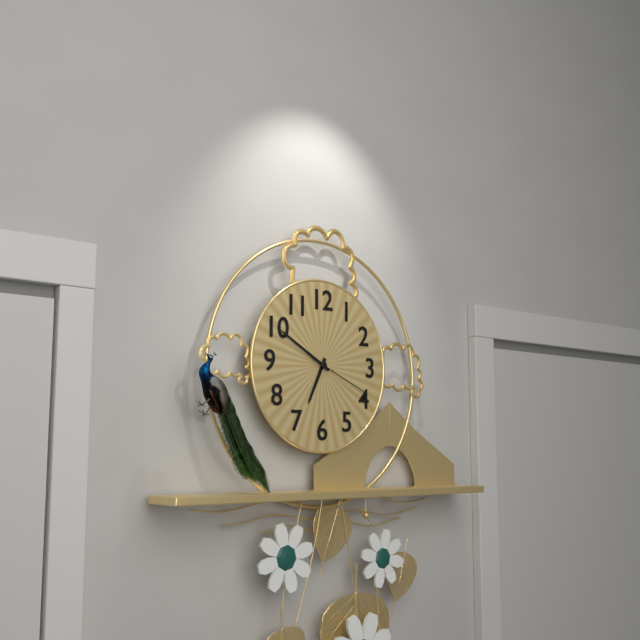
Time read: 6h50m19s
